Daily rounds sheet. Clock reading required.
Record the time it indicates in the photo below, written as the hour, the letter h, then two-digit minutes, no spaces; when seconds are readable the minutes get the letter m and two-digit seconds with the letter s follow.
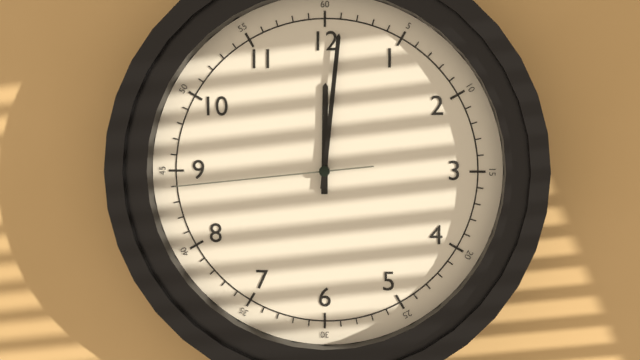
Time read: 12h01m44s
